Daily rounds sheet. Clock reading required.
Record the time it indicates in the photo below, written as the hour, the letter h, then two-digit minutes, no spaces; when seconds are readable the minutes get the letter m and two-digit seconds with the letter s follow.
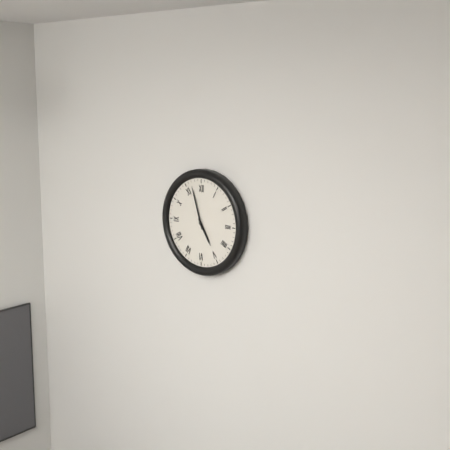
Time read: 4h57
